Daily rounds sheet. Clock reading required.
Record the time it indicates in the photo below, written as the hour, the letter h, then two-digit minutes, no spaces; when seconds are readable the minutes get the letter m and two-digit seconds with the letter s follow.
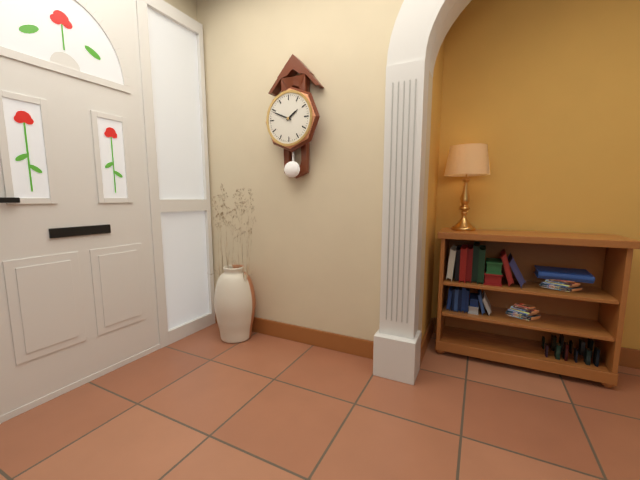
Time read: 1h49
